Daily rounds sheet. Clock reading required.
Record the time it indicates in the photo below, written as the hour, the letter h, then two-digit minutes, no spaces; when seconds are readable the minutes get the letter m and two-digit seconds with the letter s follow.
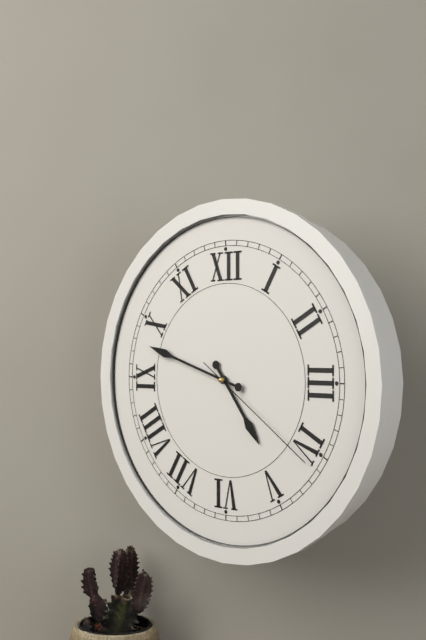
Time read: 4h48m21s
